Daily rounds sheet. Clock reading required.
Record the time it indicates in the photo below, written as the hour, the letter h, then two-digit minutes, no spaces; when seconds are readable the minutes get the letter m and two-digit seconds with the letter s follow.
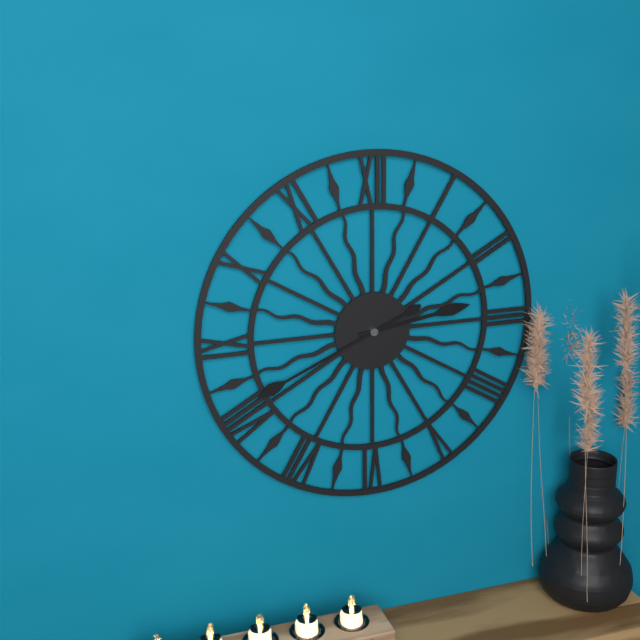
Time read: 2h41
